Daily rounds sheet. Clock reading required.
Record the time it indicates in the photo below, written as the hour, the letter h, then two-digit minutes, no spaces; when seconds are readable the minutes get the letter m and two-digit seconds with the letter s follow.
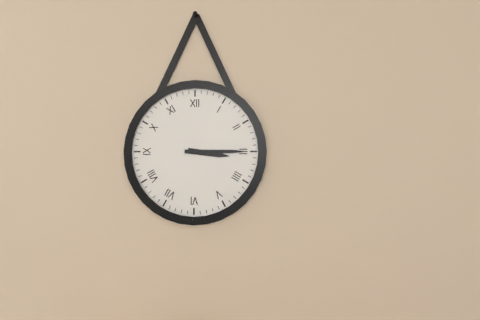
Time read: 3h15
